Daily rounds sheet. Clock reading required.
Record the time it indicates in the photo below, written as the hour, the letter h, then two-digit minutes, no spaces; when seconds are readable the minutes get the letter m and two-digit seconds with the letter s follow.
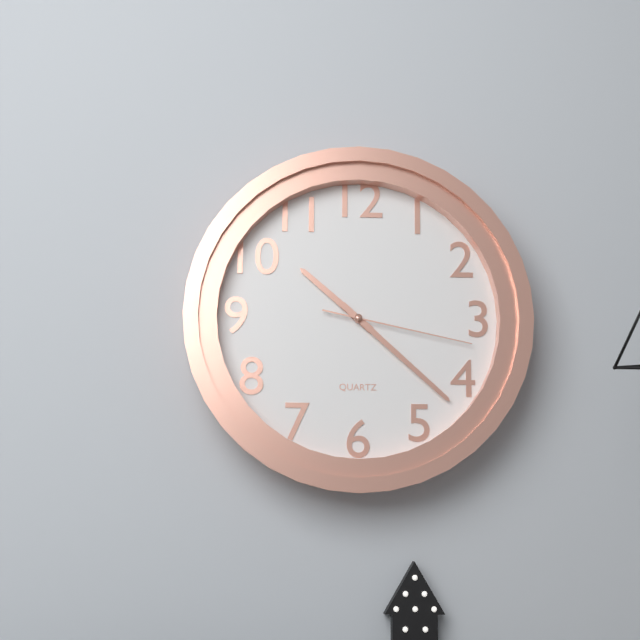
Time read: 10h22m17s
